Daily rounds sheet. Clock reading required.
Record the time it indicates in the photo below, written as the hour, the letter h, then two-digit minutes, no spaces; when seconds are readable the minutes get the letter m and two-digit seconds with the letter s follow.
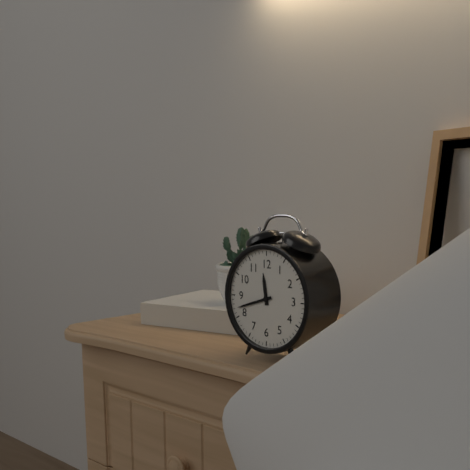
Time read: 11h42
